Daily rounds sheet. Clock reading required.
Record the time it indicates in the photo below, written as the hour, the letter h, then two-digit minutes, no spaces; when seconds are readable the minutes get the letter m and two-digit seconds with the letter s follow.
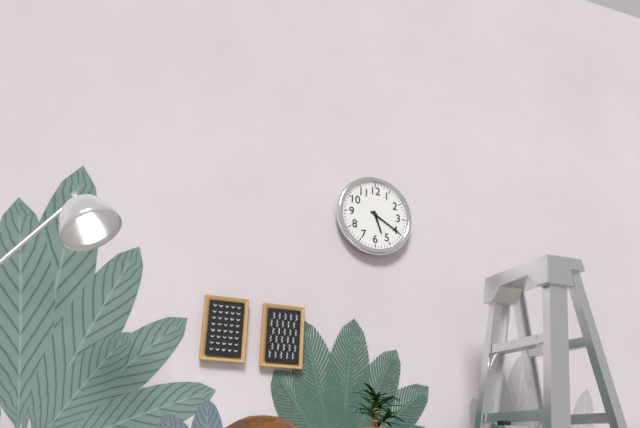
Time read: 5h20
